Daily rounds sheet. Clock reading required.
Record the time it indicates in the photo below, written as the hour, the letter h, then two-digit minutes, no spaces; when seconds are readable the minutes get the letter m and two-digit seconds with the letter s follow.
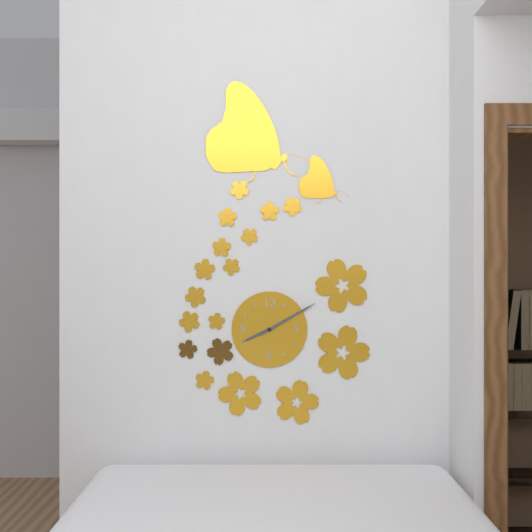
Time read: 8h10
